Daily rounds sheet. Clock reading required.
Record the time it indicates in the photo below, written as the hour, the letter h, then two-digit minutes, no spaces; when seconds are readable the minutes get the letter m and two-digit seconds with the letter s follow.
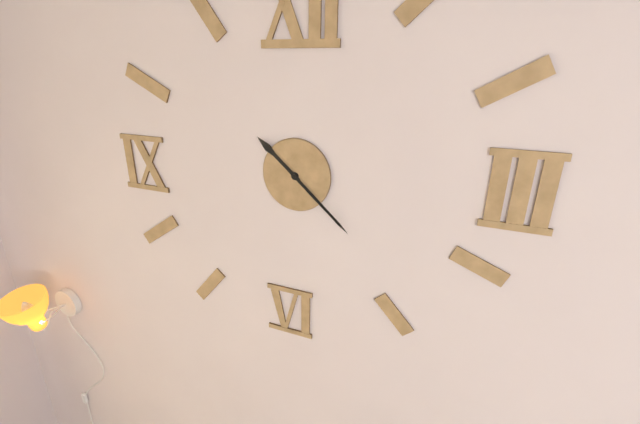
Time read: 10h22
